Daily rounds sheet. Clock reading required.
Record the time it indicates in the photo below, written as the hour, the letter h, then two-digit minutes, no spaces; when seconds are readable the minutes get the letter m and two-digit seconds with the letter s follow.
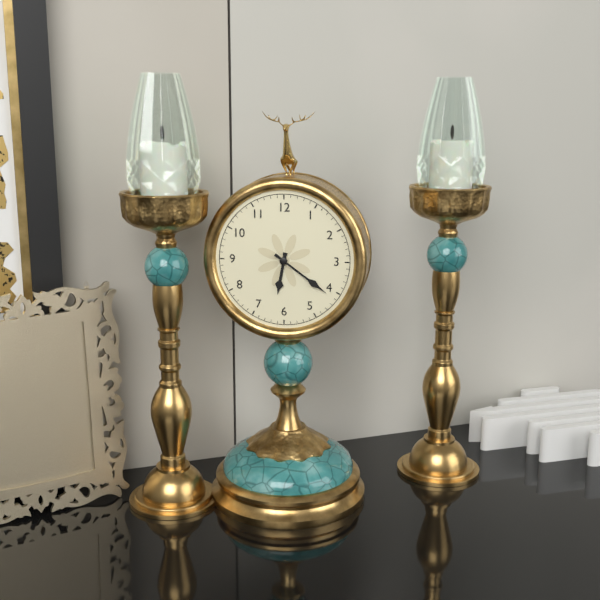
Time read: 6h21
